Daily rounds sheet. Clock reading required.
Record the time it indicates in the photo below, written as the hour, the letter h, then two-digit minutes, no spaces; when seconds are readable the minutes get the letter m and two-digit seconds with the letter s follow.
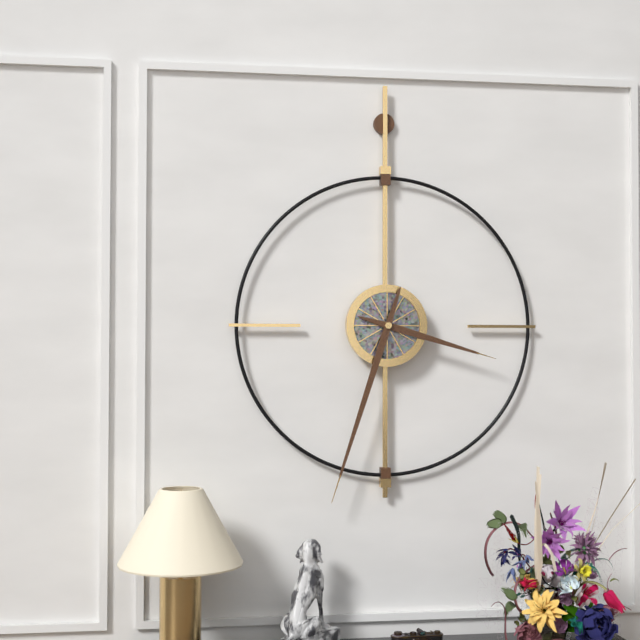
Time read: 3h33
